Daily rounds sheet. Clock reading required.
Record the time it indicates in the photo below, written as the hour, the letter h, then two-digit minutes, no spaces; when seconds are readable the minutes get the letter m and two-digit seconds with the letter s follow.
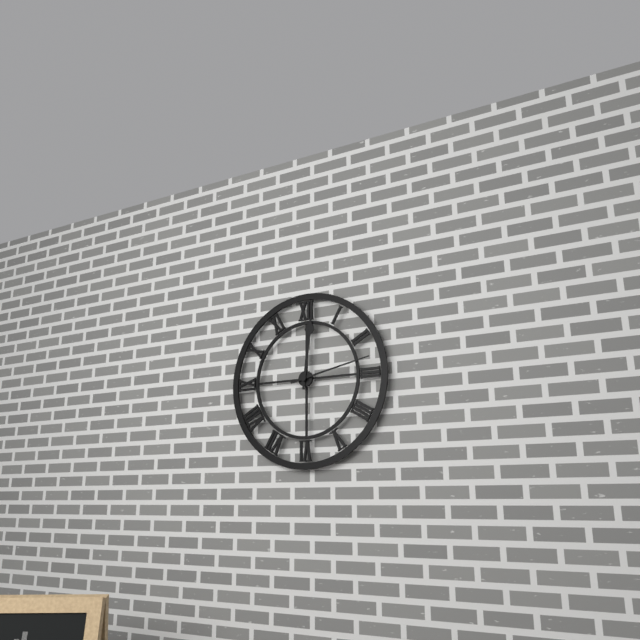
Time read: 12h13
